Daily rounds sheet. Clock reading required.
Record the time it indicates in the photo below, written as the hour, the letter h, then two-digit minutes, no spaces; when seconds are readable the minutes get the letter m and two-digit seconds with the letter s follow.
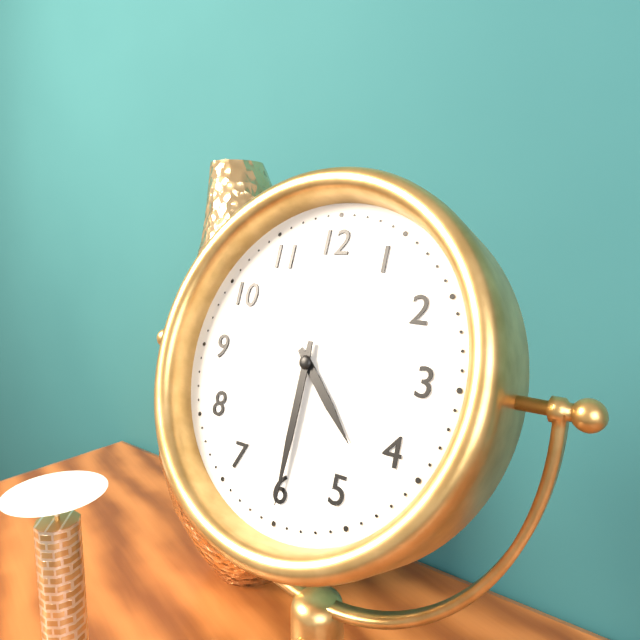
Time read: 4h30
